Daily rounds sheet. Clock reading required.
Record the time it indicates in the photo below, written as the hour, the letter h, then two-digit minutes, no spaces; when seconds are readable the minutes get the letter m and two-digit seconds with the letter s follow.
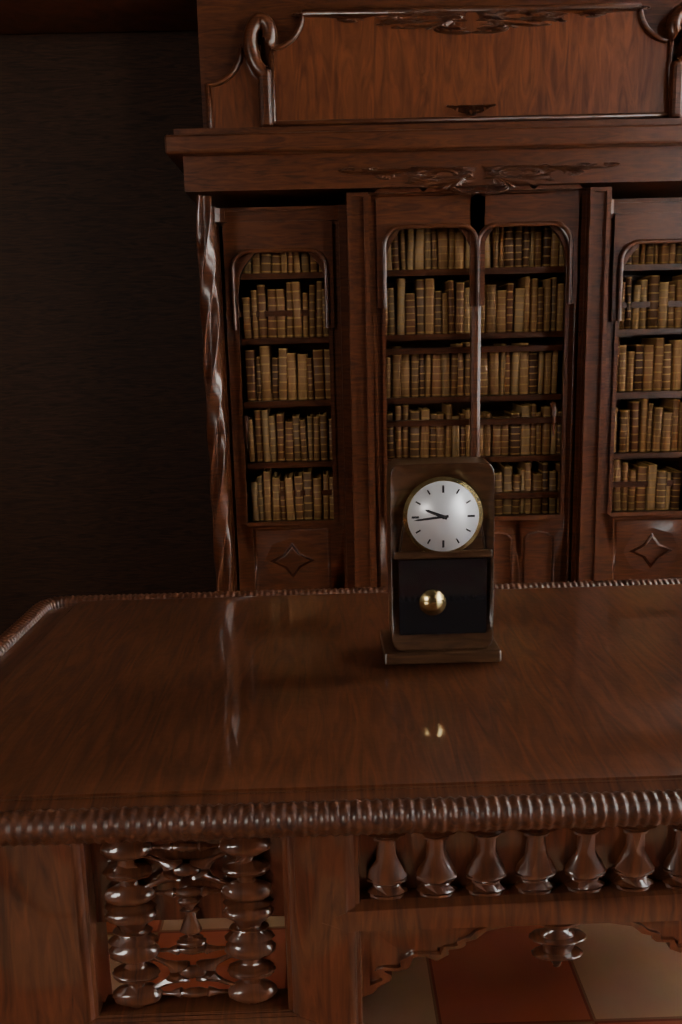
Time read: 9h44
